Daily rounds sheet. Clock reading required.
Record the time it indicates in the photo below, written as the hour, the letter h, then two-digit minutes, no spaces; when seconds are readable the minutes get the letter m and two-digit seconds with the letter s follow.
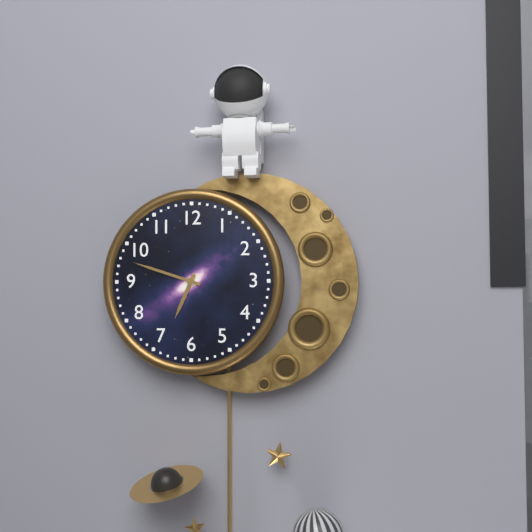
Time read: 6h48
